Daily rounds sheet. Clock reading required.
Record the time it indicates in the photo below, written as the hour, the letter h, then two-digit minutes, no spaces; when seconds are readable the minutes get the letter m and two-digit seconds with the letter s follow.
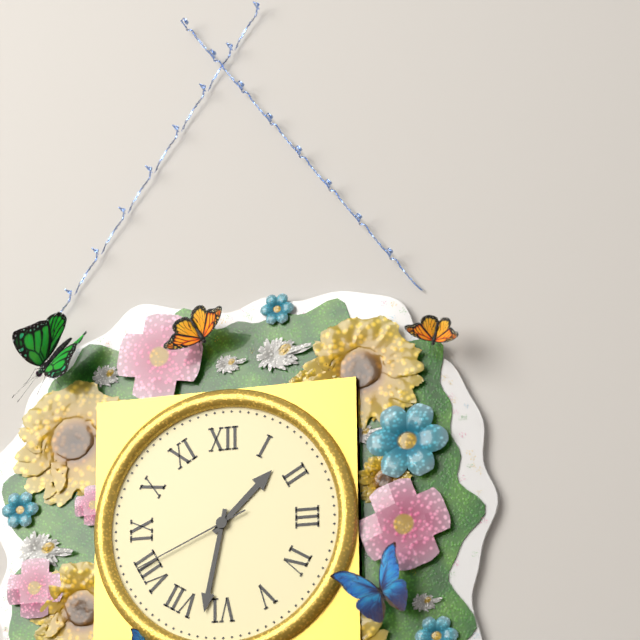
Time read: 1h32m41s
